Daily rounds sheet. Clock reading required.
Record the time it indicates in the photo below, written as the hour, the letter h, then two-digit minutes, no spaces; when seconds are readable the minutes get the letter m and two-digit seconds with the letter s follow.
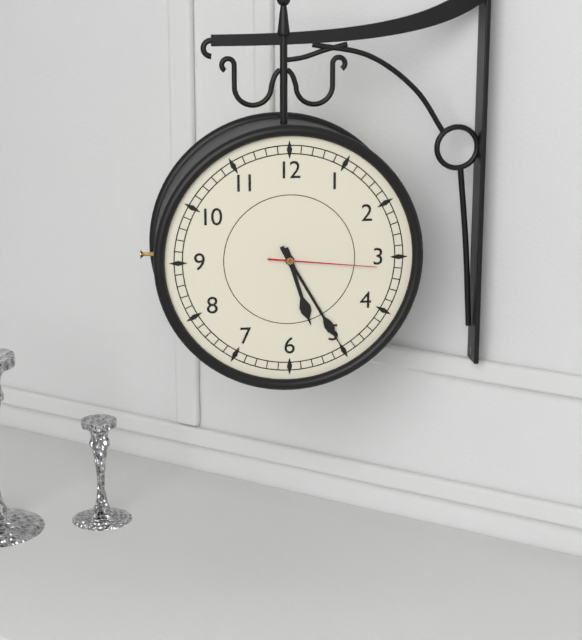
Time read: 5h25m16s
